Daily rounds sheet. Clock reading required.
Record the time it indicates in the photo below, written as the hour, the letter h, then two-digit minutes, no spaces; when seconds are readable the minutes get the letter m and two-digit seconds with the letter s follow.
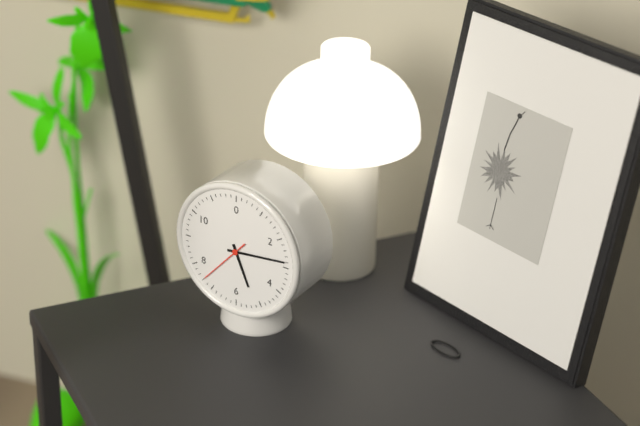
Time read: 5h14m37s
